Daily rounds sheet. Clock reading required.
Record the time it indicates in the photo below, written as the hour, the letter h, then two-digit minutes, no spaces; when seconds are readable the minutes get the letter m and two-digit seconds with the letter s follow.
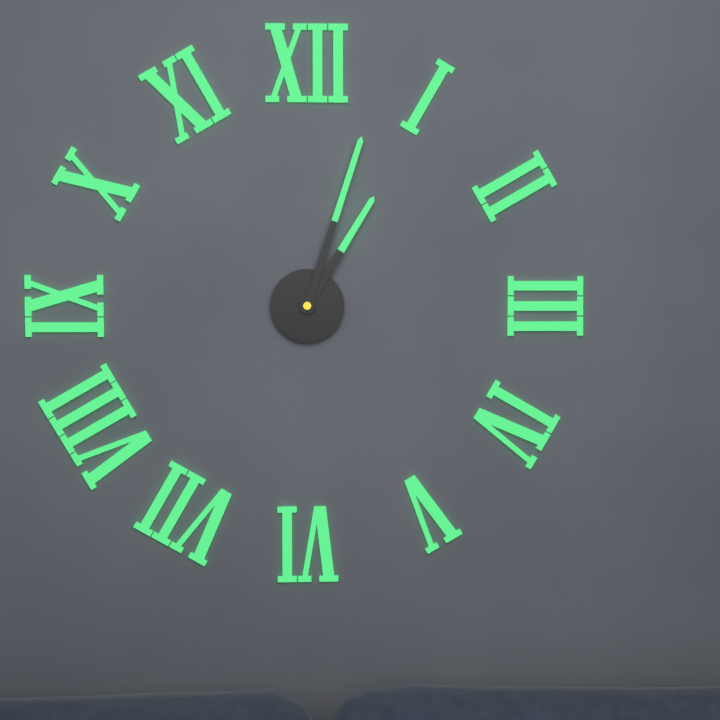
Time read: 1h03
